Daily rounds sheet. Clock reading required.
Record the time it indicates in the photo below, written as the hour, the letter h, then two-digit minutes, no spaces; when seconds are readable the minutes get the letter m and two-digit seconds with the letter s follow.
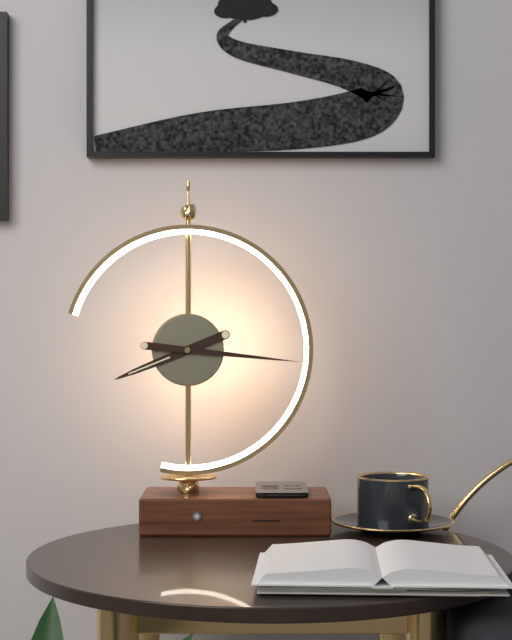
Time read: 8h16
